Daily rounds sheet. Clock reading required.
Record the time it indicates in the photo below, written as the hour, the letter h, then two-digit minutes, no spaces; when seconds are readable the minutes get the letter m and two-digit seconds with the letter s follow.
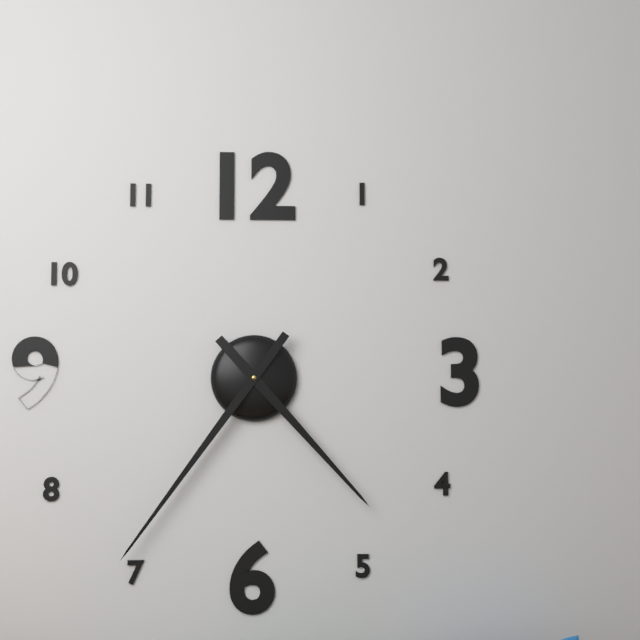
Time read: 4h36
